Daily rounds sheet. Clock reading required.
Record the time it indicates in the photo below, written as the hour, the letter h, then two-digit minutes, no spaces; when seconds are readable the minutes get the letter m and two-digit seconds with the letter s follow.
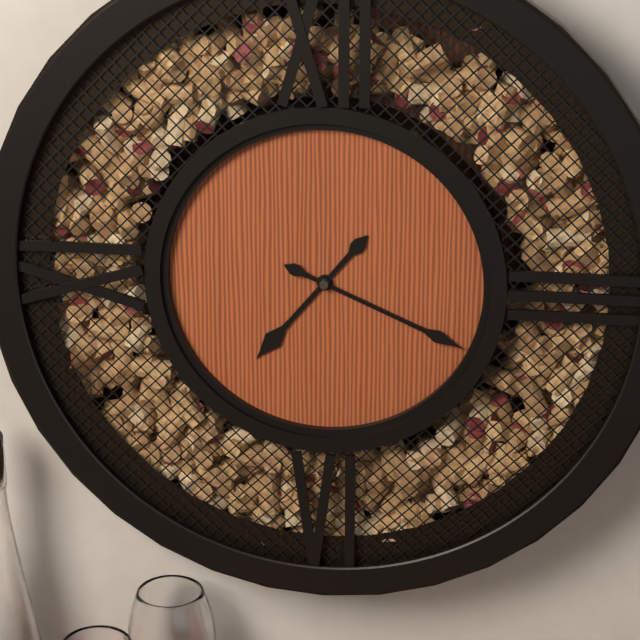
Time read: 7h19
